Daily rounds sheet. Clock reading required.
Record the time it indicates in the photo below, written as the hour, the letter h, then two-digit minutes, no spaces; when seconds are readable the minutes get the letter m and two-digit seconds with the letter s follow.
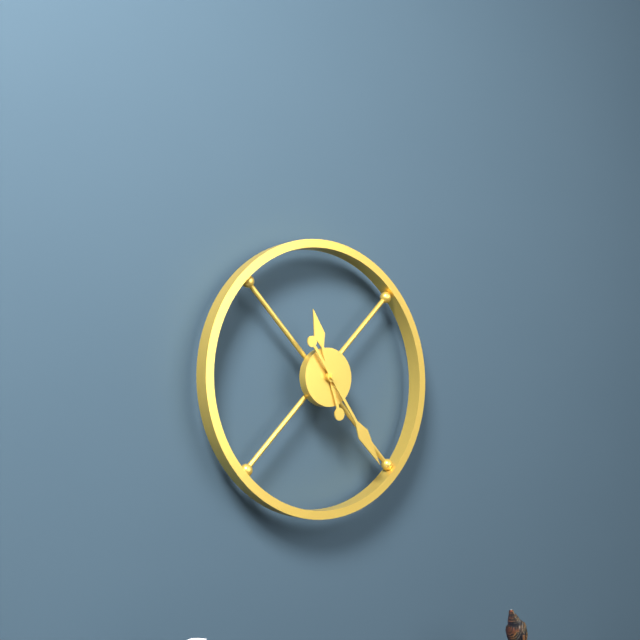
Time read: 11h24
